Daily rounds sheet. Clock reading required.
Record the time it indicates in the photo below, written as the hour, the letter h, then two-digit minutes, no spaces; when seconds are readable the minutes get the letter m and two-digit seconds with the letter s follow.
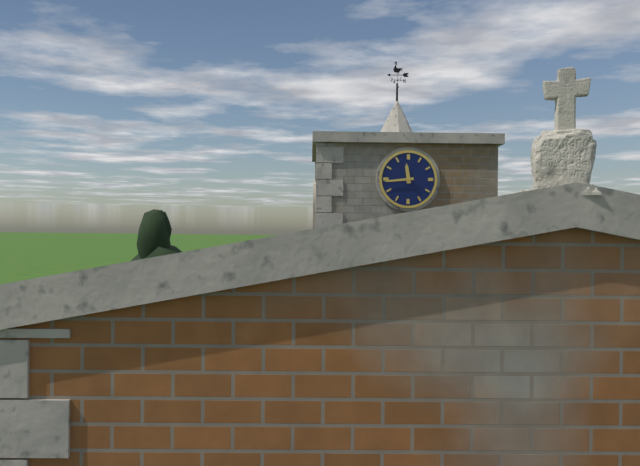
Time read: 11h44
